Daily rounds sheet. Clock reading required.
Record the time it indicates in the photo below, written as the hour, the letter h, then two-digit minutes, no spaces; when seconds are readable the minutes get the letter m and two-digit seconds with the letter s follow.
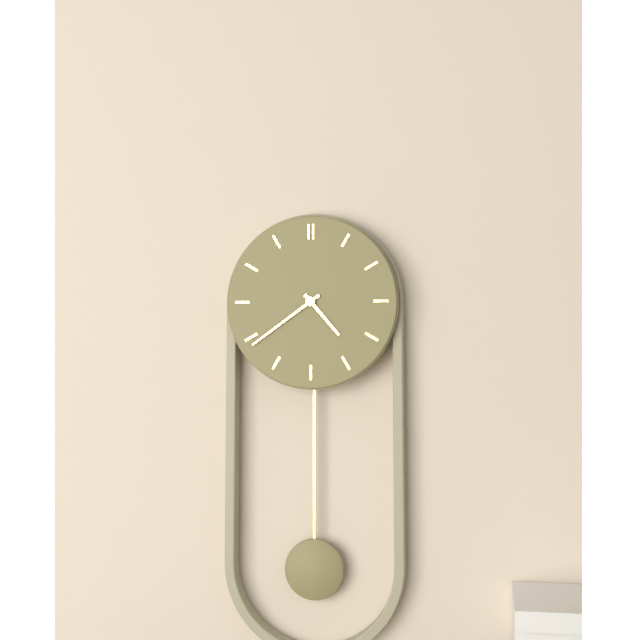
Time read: 4h39
